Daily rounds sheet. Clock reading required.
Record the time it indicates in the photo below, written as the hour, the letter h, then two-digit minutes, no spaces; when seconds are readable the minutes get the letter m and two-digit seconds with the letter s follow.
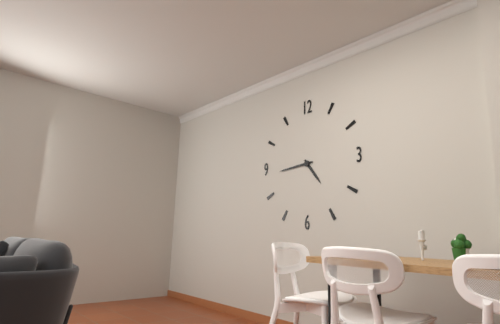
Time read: 4h44
